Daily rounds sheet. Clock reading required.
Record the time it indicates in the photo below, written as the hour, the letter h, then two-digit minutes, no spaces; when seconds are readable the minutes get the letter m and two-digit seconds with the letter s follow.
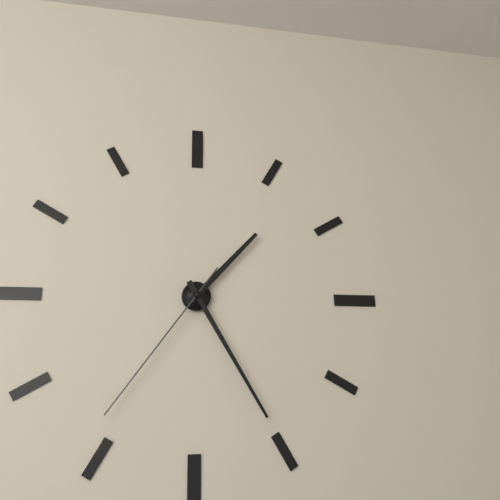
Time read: 1h25m36s
